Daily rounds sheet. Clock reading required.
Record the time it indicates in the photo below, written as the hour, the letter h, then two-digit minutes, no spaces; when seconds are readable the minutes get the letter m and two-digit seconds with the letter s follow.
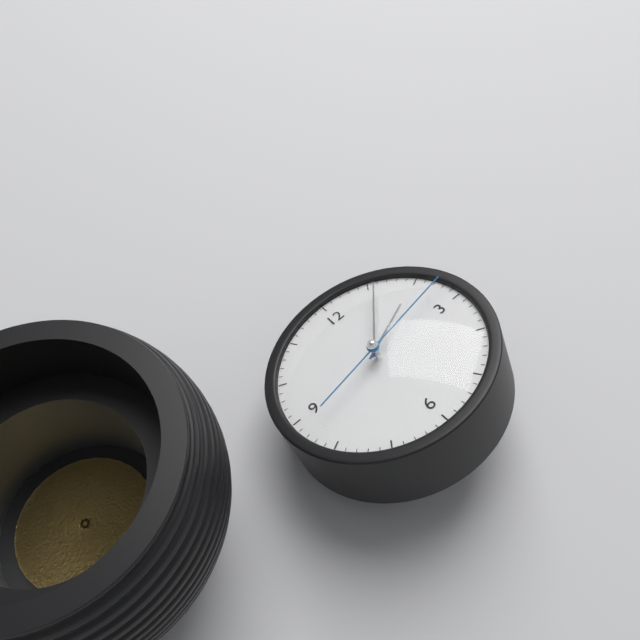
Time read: 2h06m13s
